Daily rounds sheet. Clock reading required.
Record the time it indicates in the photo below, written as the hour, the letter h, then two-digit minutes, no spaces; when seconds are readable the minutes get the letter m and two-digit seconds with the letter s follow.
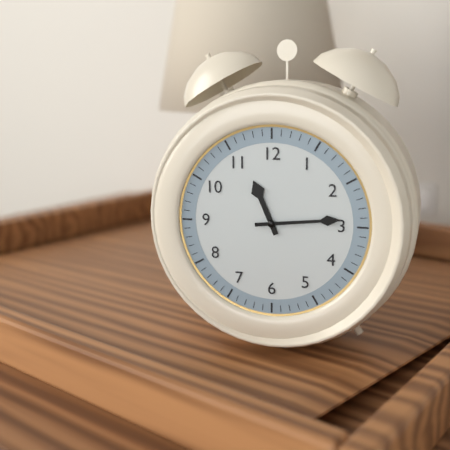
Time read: 11h14
